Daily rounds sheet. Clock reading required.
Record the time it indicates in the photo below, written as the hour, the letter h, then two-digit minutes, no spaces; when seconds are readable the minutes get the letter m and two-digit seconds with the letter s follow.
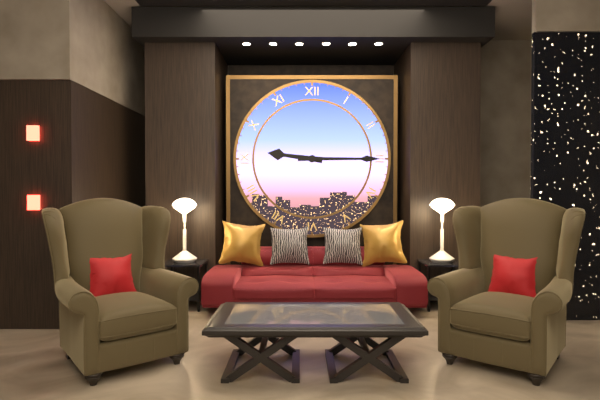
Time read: 9h15
